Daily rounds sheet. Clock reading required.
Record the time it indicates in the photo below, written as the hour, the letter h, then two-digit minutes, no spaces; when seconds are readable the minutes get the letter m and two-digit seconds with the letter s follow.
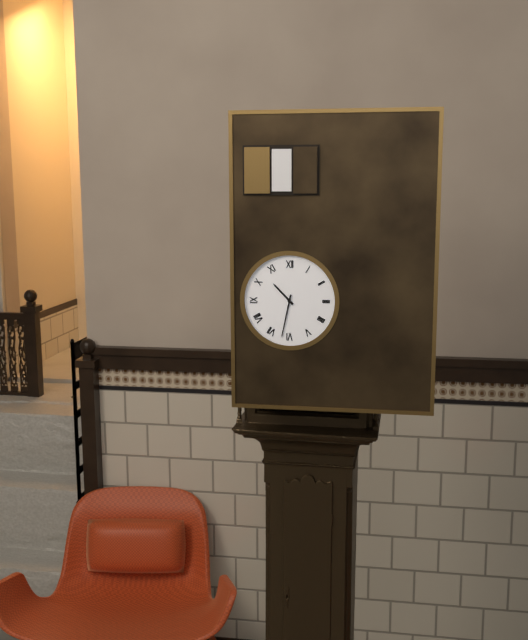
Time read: 10h32
